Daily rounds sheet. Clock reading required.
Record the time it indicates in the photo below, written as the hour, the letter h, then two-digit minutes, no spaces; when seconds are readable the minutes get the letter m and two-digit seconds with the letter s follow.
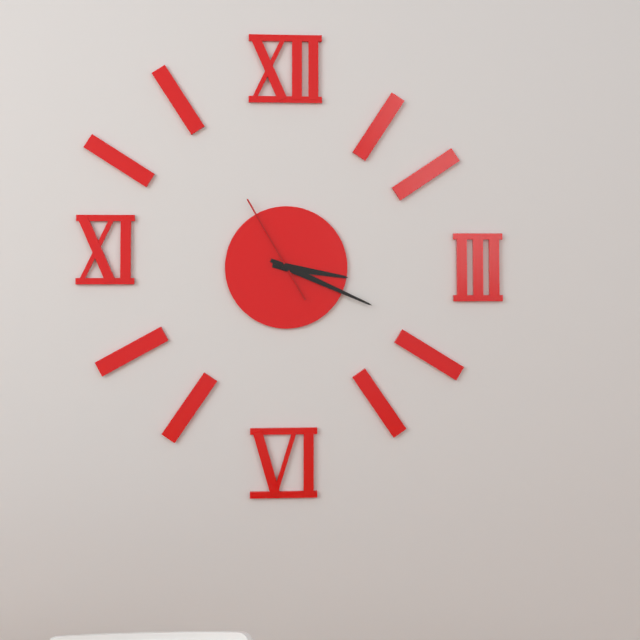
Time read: 3h19m55s
